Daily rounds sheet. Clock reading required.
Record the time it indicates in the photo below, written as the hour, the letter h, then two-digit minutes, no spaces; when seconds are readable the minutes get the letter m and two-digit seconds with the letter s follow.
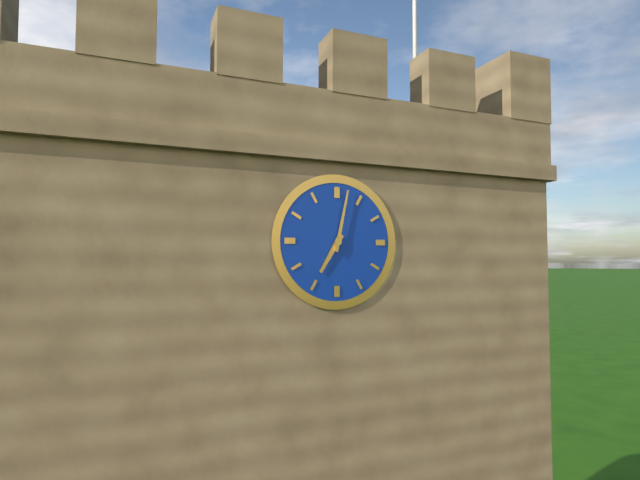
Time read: 7h02
